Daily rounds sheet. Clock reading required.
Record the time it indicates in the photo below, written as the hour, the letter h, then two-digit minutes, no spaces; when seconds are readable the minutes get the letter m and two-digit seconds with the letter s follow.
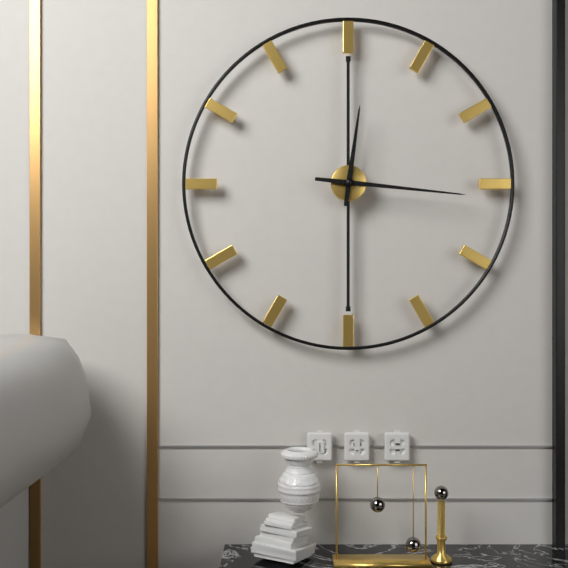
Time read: 12h16
